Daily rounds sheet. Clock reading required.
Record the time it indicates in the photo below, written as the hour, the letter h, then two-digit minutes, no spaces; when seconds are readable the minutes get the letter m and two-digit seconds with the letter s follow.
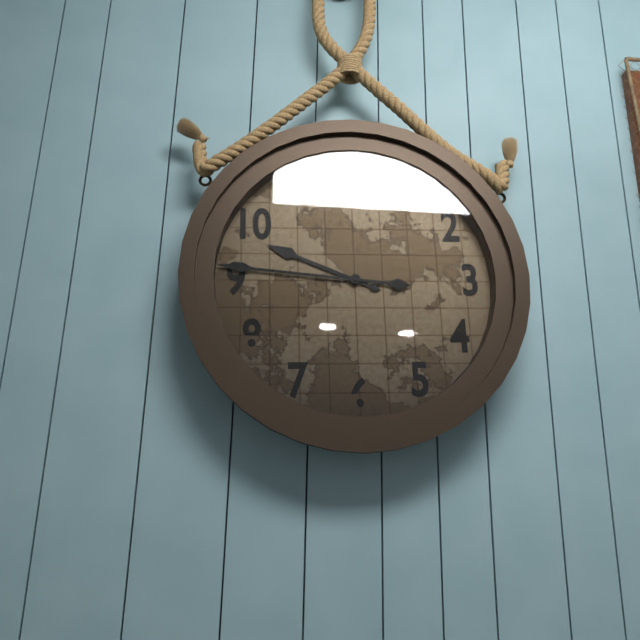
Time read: 9h46
